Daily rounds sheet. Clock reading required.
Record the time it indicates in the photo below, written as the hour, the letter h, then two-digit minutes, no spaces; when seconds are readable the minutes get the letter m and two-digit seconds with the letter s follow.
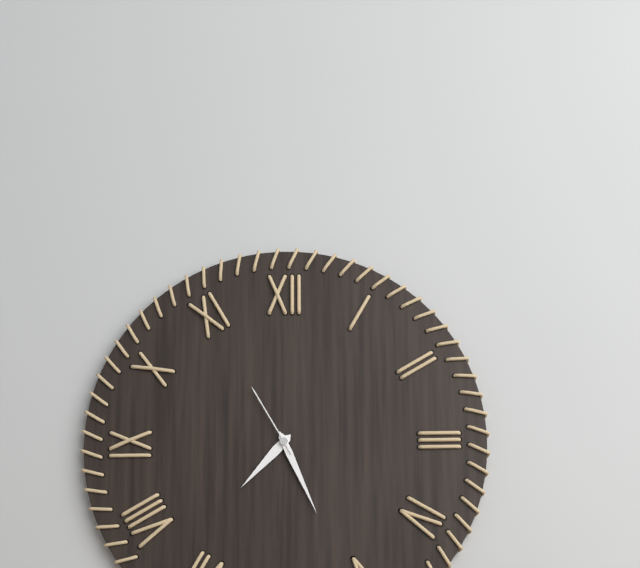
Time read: 7h26m55s
